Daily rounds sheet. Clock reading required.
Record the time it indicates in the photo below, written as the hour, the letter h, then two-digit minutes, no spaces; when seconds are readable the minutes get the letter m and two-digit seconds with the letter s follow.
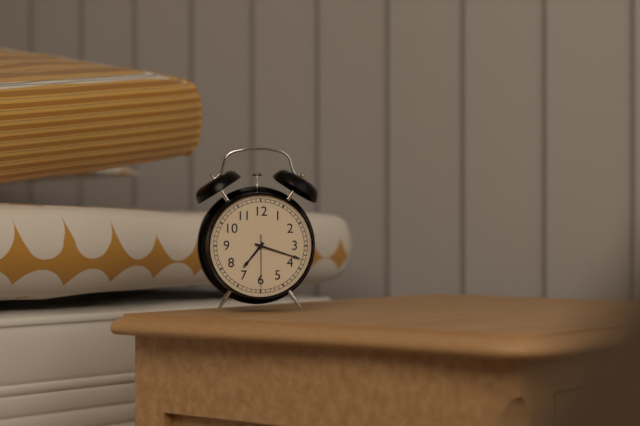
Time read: 7h18m30s
